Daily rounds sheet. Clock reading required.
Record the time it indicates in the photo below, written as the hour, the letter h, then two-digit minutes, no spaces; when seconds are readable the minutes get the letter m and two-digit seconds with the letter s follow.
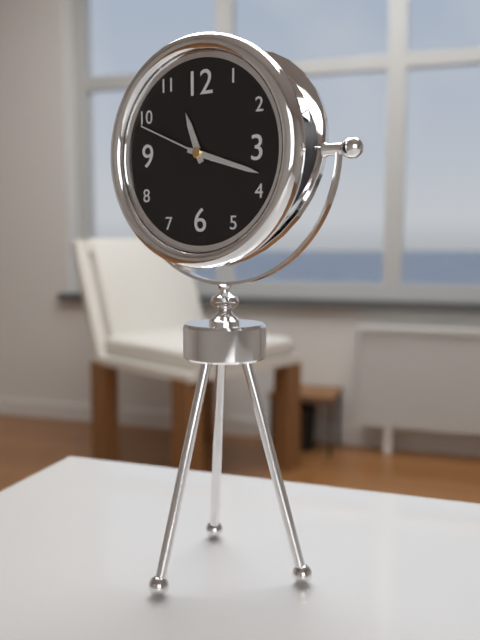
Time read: 11h18m49s
